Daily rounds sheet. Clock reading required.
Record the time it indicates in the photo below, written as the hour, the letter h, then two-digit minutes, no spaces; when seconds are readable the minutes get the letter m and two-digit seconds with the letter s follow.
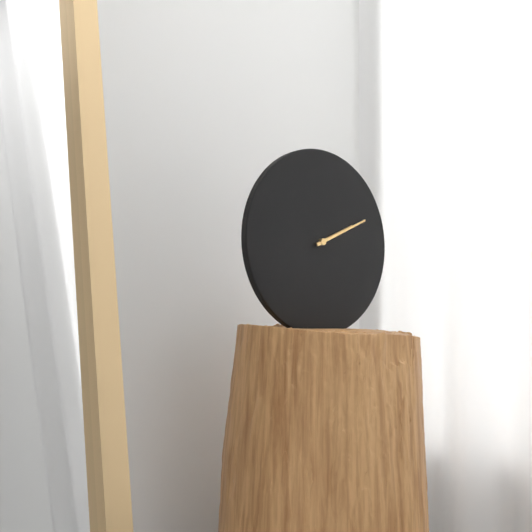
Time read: 2h11
